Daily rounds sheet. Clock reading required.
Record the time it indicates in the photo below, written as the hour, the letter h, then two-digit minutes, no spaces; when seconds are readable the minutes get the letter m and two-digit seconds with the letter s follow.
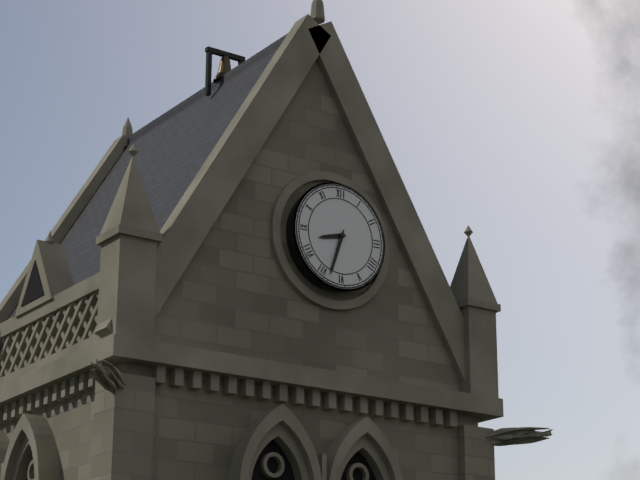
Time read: 8h33
